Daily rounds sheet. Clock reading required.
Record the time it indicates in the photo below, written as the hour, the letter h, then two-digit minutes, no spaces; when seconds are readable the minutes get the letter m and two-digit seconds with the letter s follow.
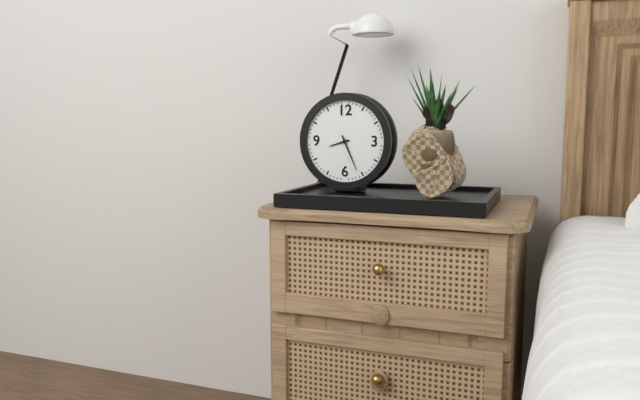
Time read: 8h26
